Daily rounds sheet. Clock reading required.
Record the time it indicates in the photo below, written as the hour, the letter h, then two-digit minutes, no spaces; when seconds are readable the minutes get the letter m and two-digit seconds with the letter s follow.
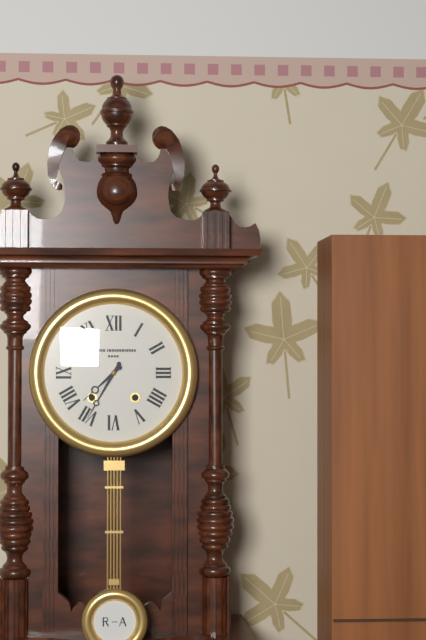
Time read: 7h35
